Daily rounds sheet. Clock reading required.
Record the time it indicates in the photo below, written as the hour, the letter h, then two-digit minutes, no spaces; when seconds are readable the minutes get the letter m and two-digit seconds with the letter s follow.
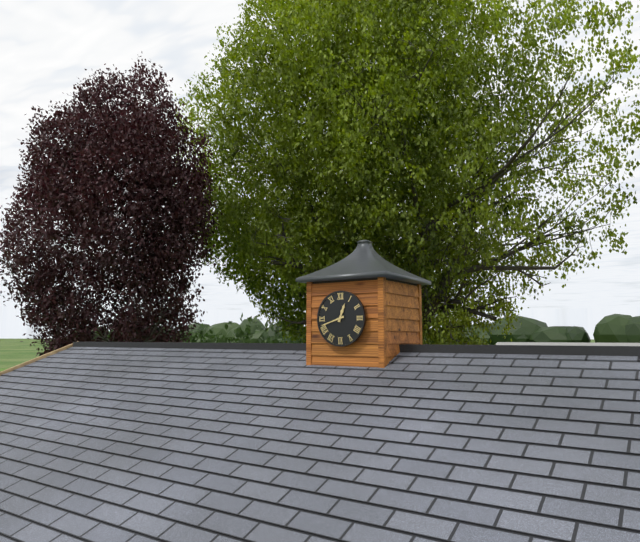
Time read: 12h42
